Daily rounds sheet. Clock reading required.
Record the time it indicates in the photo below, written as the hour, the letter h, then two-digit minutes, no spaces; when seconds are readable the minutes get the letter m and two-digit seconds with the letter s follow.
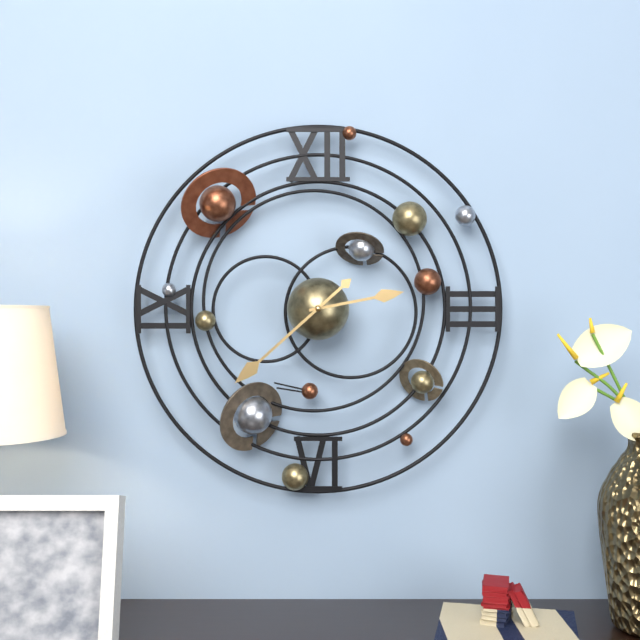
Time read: 2h38
